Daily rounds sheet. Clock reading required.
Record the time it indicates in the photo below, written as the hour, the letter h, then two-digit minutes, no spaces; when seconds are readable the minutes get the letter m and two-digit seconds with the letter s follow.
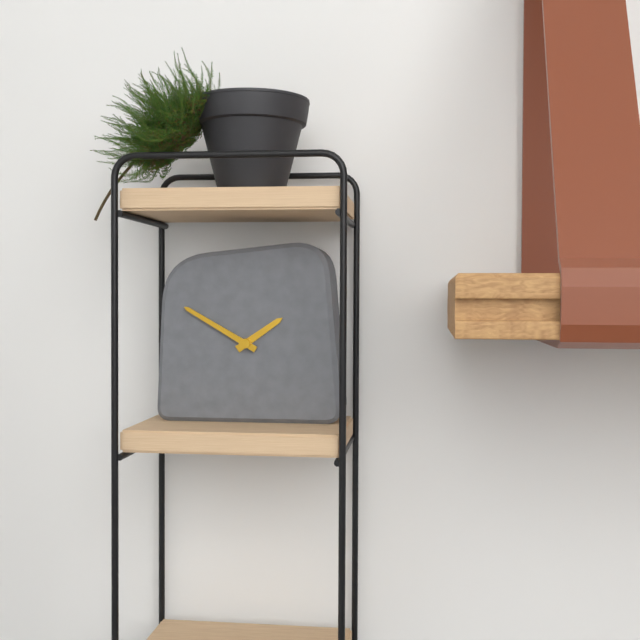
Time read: 1h50
